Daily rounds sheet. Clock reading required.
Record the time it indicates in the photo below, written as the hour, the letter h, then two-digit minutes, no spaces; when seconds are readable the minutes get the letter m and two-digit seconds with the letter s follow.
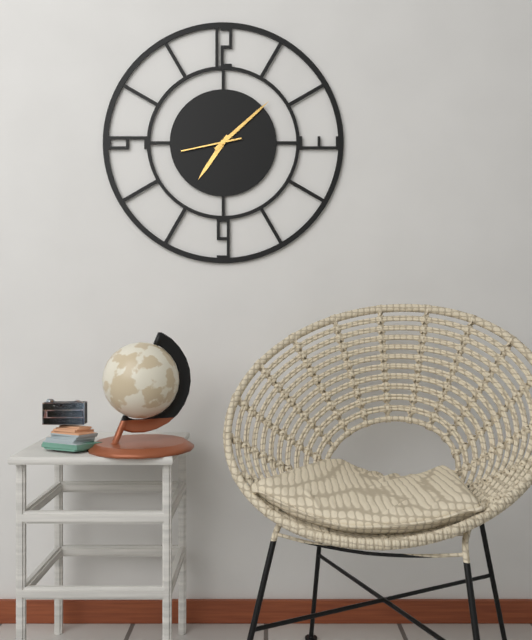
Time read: 7h08m43s
